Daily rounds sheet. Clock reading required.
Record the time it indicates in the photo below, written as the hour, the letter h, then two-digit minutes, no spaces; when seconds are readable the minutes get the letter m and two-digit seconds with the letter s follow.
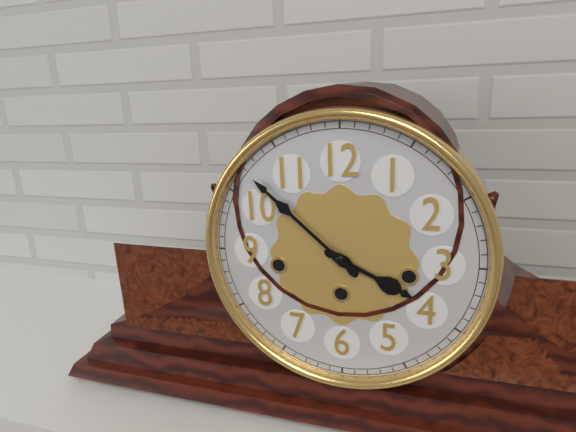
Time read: 3h52
